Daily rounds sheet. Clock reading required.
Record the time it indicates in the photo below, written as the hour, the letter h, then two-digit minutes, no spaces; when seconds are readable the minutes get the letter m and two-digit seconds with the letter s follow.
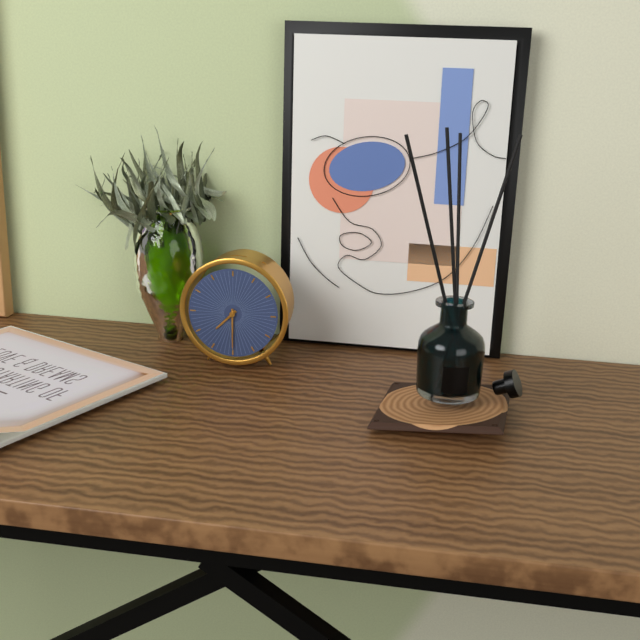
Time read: 7h30
